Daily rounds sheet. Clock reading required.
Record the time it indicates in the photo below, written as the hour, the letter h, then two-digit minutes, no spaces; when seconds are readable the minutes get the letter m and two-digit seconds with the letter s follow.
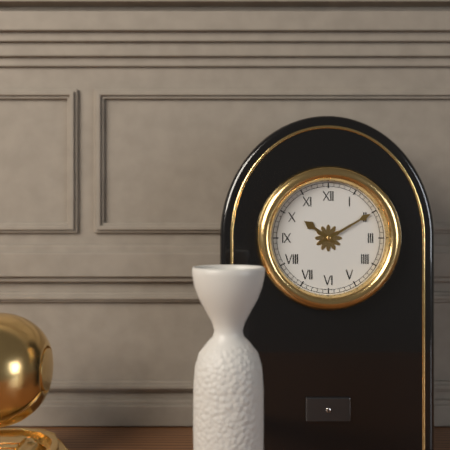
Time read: 10h10
